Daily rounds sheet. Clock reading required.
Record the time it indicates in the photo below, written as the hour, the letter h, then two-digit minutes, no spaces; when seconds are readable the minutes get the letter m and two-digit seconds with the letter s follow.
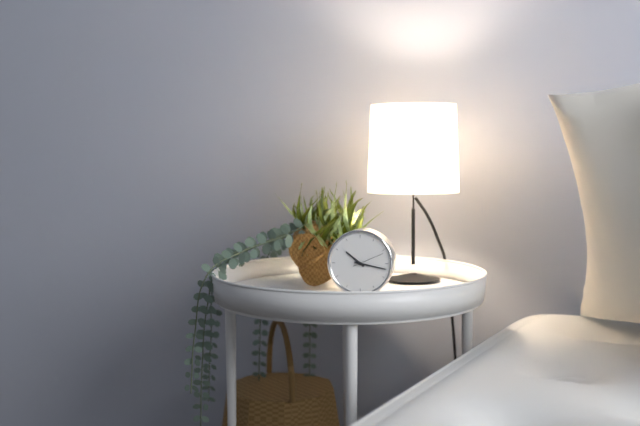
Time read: 10h17
